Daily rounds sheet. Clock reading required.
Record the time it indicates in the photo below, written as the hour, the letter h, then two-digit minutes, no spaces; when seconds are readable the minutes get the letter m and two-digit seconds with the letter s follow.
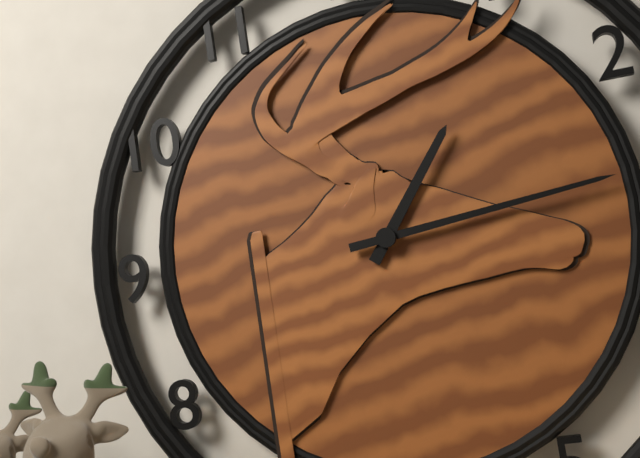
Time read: 1h14
